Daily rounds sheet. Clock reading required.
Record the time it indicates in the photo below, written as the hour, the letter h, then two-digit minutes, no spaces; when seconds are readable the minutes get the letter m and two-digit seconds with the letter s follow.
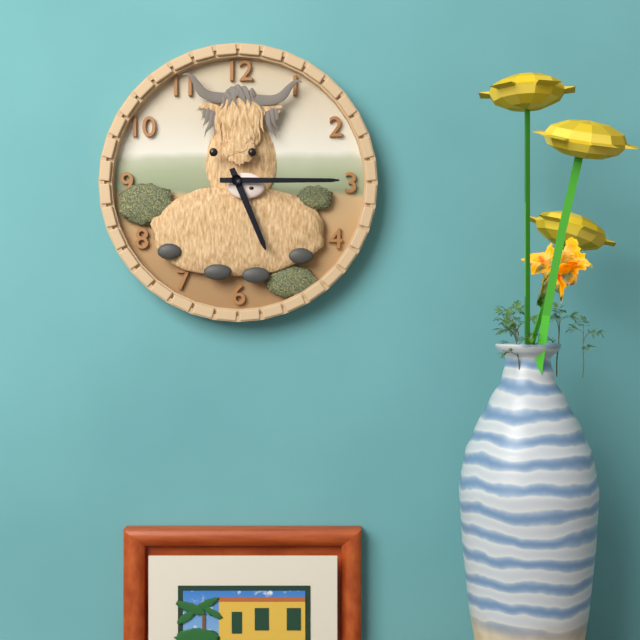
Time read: 5h15
